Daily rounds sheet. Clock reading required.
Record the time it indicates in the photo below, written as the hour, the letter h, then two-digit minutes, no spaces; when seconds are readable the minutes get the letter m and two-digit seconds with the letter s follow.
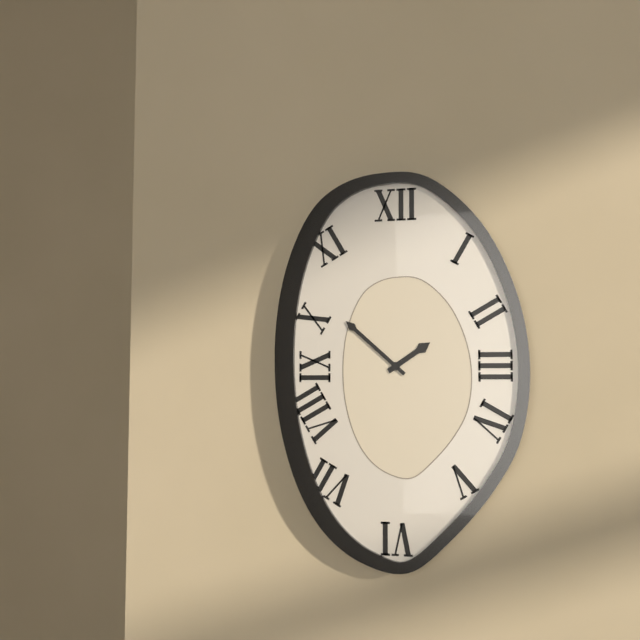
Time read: 1h52
